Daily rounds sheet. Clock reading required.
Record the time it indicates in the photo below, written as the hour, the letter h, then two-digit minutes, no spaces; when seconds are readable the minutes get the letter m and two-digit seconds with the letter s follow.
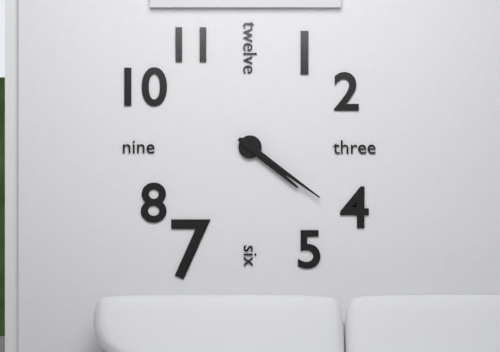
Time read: 4h21
